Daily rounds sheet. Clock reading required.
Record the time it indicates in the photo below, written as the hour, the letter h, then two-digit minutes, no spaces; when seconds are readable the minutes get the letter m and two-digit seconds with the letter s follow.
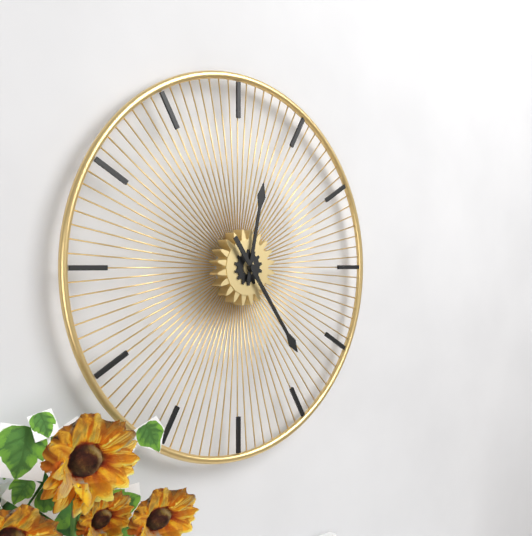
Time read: 12h24
